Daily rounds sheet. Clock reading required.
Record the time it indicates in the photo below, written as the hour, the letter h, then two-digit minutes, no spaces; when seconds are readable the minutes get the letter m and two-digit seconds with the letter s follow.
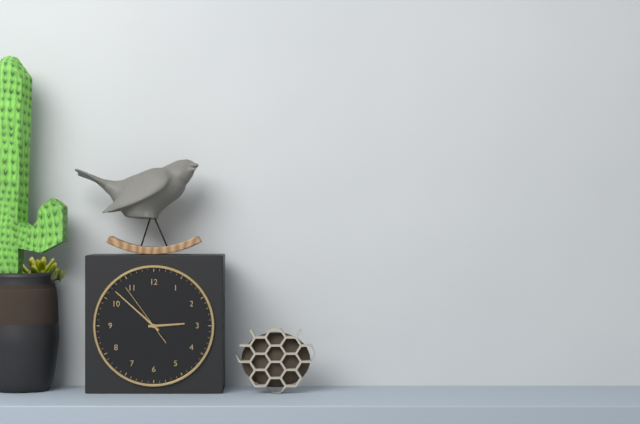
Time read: 2h52m54s
